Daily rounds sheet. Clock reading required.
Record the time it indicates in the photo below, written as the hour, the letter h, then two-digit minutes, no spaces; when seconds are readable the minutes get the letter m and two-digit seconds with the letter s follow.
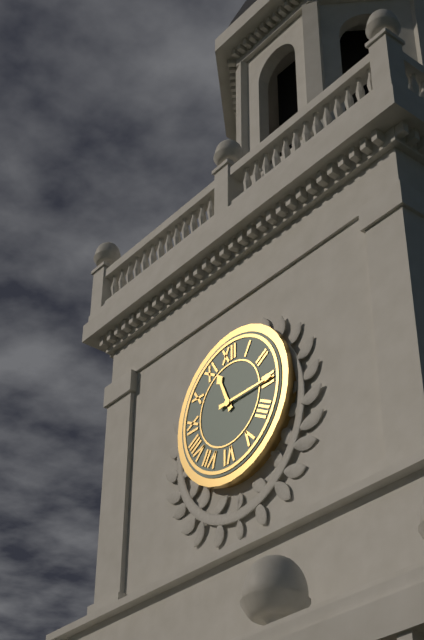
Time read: 11h15
